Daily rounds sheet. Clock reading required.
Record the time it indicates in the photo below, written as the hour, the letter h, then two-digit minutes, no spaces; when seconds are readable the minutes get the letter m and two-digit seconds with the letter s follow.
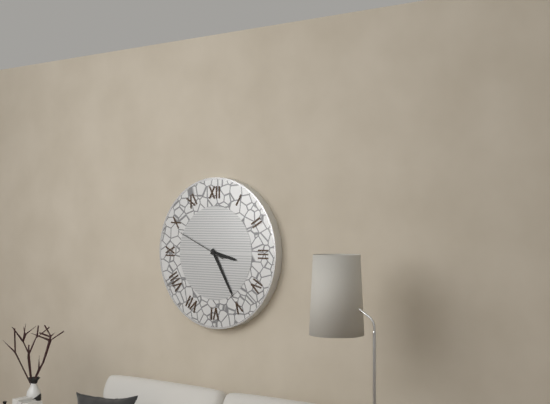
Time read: 3h25m49s
